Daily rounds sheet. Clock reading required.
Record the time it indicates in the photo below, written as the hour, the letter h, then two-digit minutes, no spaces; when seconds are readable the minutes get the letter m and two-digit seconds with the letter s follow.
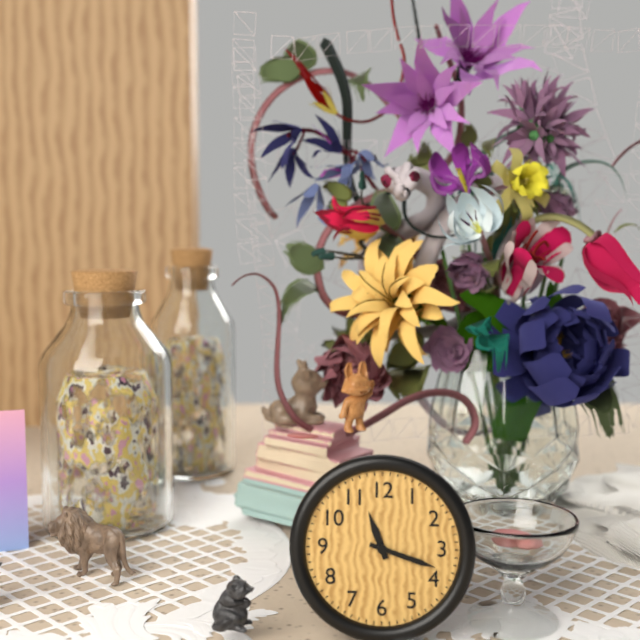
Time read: 11h18
